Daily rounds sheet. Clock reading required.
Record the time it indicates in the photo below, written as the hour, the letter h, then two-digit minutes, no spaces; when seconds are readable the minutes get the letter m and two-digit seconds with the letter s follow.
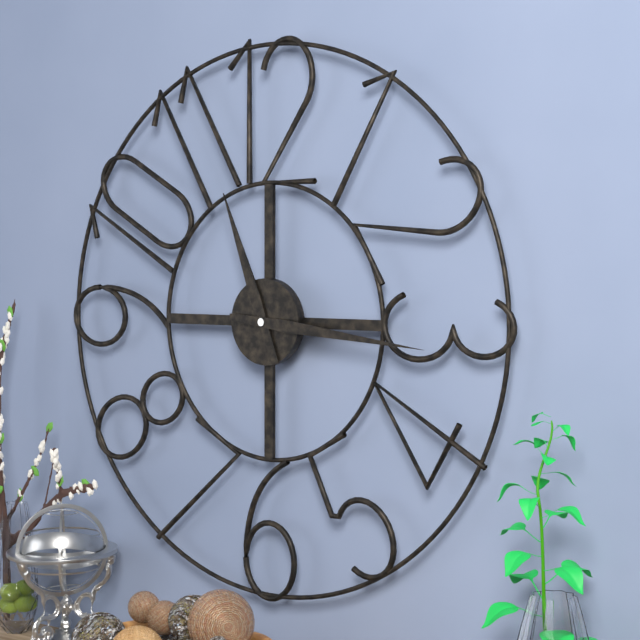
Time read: 11h16
